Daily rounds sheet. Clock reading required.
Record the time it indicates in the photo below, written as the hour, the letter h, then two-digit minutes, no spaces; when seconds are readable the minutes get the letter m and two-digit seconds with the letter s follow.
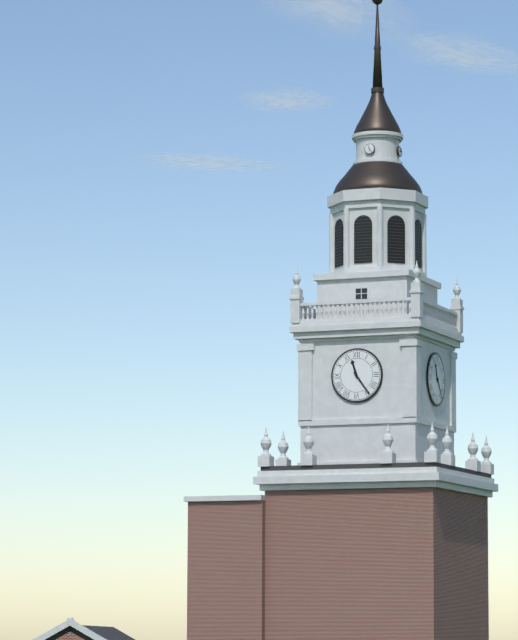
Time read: 11h24
